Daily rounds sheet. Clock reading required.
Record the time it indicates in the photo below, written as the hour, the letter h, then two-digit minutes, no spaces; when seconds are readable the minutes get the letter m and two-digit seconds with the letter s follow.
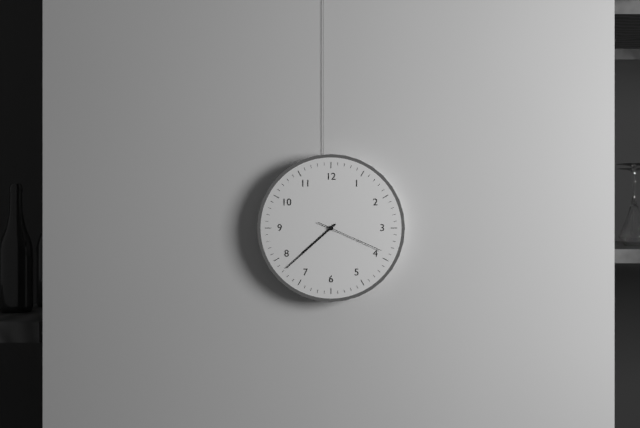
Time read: 7h38m19s
